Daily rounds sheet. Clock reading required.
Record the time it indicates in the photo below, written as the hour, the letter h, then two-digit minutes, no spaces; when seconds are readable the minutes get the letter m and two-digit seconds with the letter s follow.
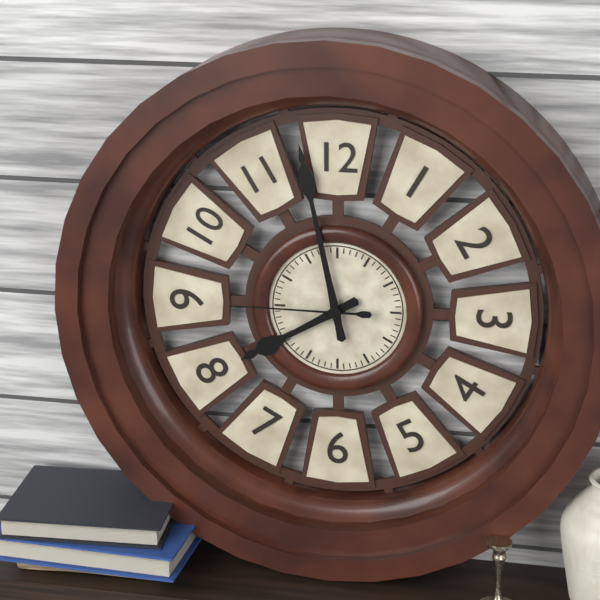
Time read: 7h58m45s
